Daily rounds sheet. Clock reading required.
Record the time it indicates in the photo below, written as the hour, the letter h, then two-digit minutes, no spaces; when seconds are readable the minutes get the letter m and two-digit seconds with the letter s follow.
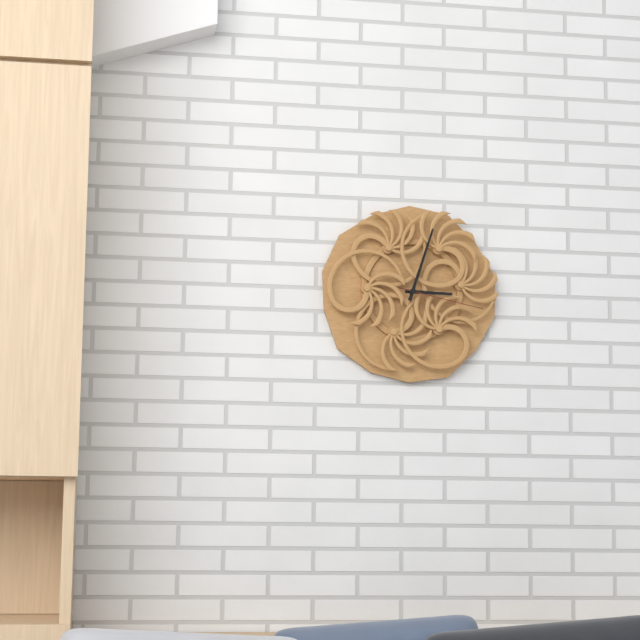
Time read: 3h03m17s
